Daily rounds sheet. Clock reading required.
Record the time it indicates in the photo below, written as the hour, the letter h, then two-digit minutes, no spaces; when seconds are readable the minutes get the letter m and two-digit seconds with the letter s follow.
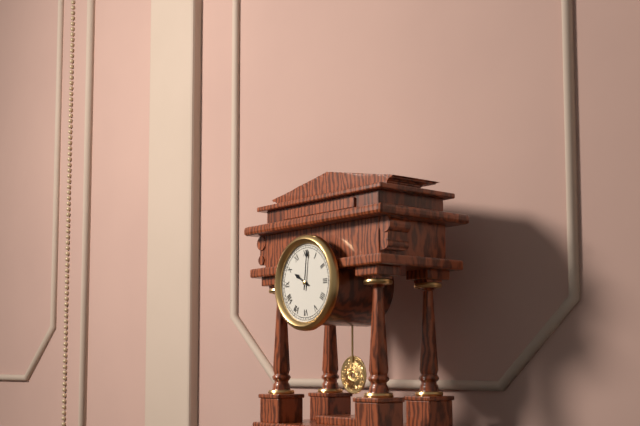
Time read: 10h01
